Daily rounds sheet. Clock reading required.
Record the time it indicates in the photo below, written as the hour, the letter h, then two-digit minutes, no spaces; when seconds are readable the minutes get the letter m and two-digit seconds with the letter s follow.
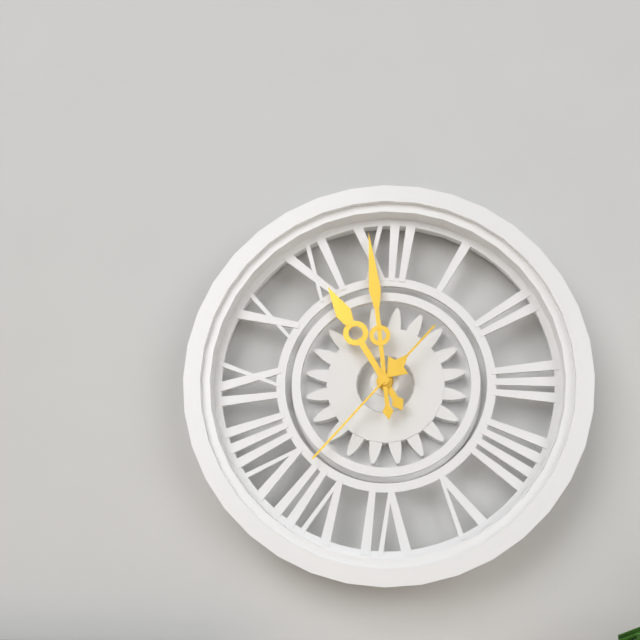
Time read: 10h59m37s
